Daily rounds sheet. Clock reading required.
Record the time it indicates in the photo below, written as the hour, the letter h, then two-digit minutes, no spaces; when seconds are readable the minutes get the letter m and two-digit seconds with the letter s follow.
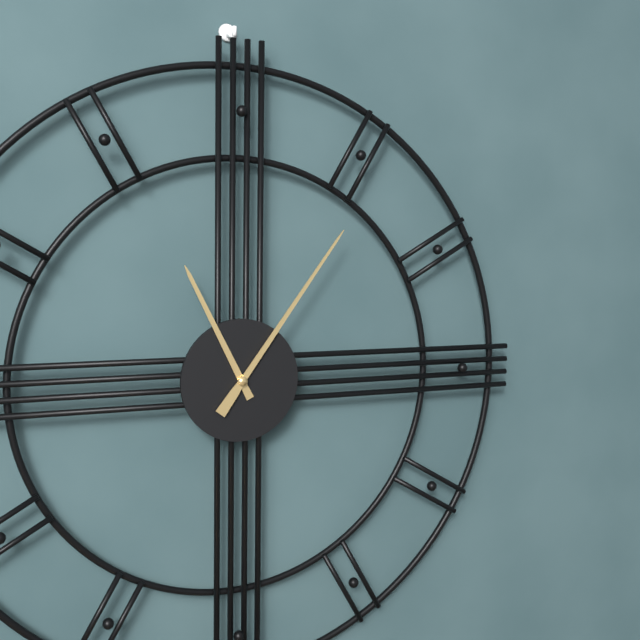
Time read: 11h06
